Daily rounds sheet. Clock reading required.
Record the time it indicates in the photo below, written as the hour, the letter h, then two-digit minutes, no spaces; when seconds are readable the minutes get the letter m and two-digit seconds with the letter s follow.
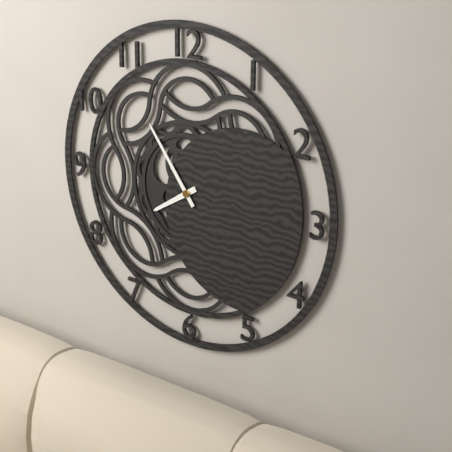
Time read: 7h54
